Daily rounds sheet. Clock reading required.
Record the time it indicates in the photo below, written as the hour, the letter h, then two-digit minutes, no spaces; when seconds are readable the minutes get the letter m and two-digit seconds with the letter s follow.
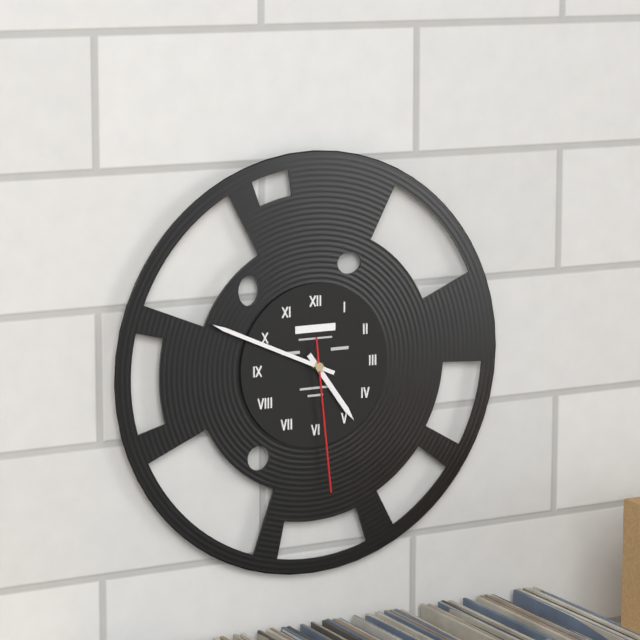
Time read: 4h49m29s
